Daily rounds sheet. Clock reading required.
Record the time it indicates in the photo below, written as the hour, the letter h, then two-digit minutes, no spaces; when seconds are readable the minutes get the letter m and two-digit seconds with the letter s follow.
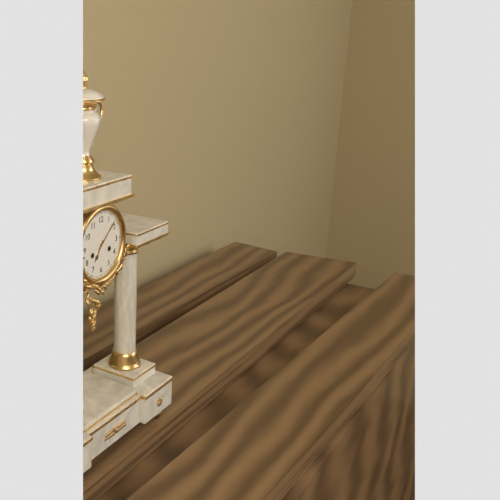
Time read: 7h08
